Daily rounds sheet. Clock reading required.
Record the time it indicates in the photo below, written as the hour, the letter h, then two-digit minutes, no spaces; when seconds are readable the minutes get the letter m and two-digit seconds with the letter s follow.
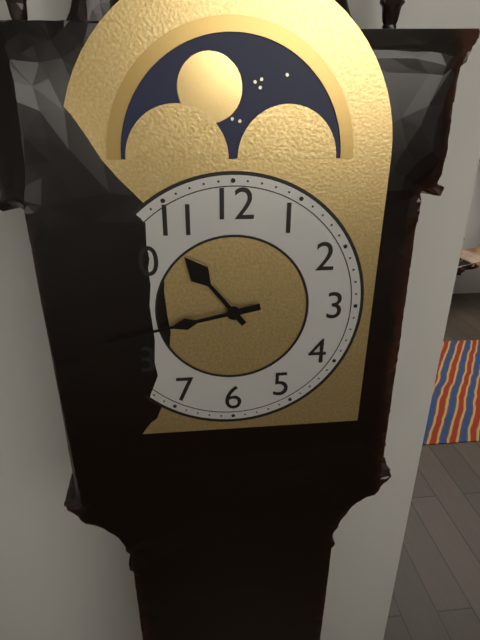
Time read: 10h43
